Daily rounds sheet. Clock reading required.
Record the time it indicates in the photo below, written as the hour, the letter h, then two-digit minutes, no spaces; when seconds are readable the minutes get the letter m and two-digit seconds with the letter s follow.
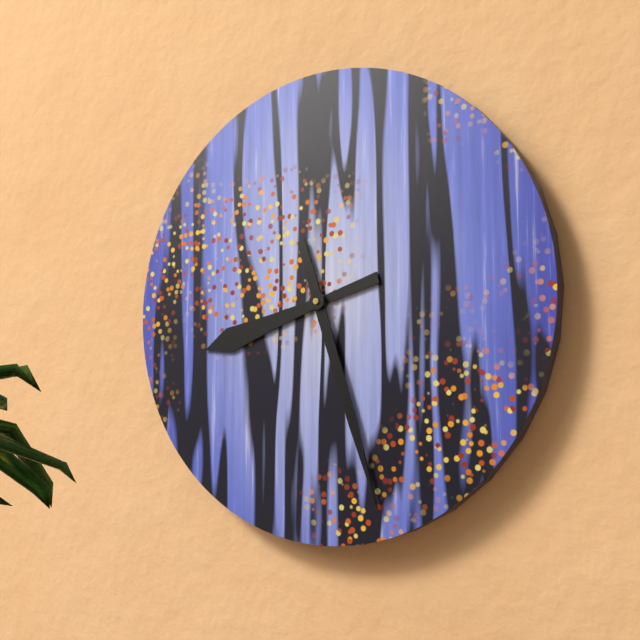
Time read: 8h27
